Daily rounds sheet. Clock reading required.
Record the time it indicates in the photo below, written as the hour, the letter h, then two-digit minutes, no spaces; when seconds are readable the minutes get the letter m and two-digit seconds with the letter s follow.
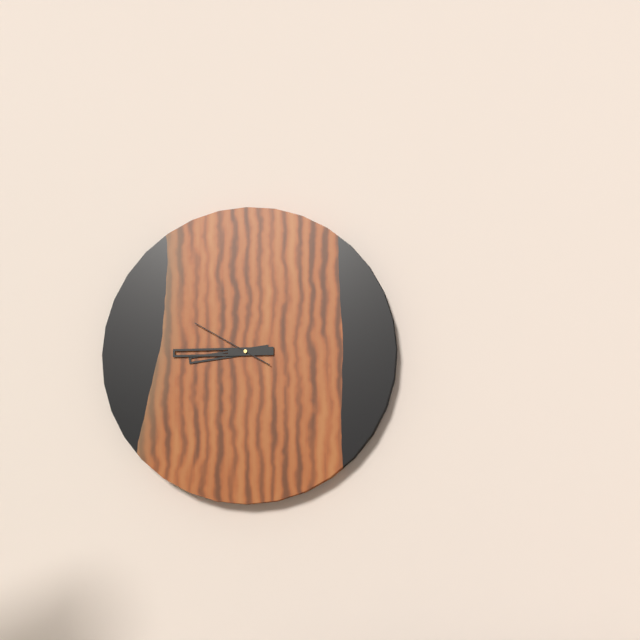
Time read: 8h45m50s
